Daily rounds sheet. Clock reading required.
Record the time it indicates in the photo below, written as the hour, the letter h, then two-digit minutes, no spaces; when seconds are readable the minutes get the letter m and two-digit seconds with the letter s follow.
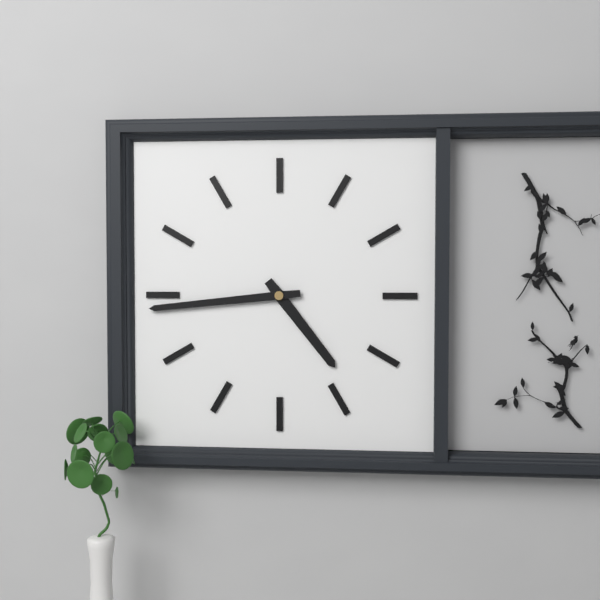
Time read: 4h44
